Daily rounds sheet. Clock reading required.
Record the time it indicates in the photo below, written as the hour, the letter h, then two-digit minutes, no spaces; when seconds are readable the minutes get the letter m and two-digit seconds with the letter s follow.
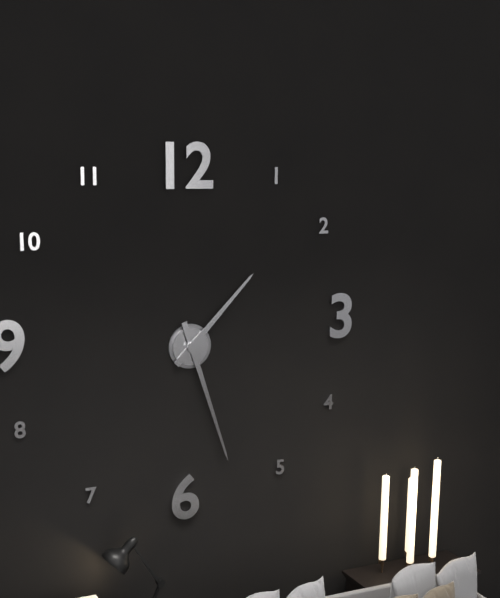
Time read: 1h27
